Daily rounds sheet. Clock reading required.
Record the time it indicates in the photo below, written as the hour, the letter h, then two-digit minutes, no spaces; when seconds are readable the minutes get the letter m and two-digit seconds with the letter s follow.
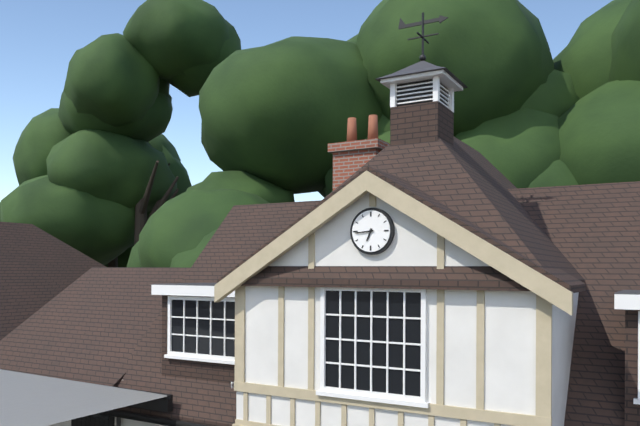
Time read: 6h44
